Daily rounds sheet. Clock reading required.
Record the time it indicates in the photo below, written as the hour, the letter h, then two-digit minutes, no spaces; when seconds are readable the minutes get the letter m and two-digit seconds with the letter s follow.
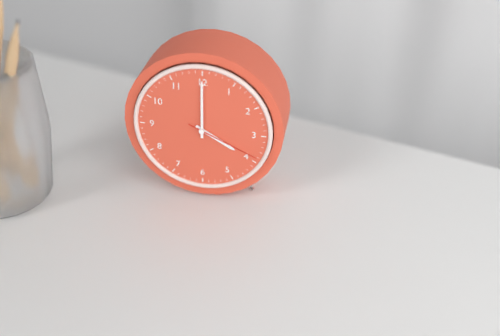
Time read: 4h00m19s
